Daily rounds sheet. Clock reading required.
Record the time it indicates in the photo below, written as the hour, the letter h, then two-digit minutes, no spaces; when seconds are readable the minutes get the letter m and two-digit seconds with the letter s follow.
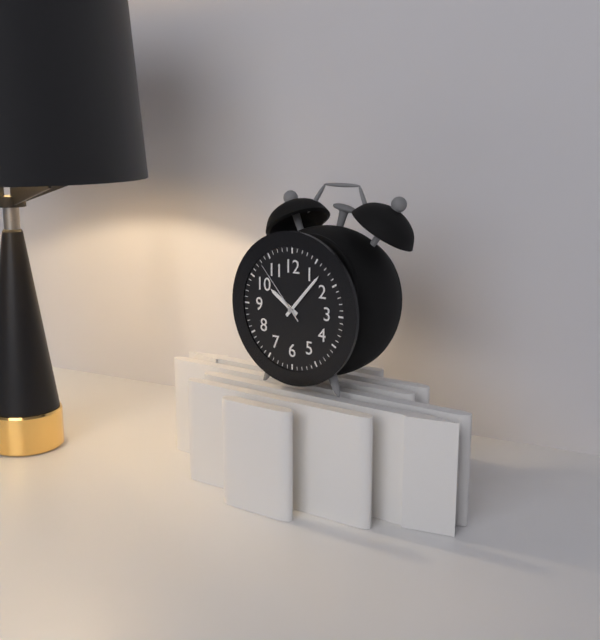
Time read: 10h07m53s
